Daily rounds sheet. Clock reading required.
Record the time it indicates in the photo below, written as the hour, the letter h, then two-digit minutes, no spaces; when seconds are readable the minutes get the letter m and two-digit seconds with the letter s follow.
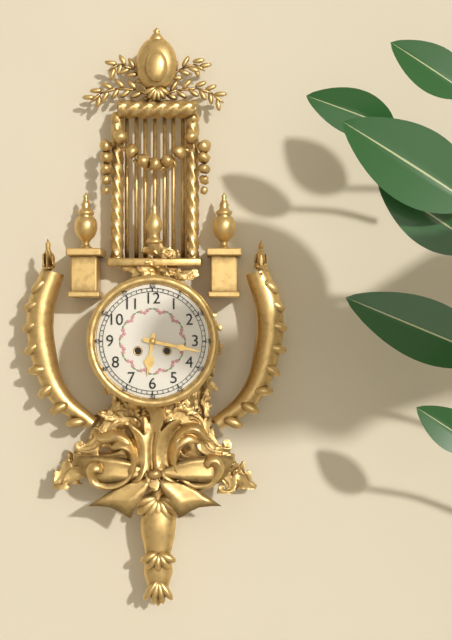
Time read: 6h17
